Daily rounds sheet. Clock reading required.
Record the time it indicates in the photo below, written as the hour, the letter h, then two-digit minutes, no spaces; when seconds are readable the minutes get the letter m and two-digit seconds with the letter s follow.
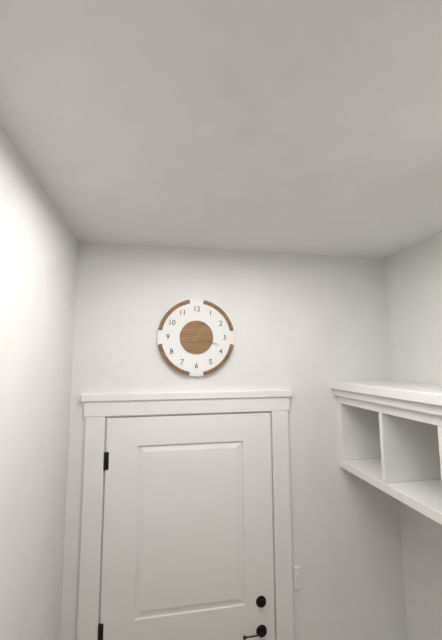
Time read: 1h18
